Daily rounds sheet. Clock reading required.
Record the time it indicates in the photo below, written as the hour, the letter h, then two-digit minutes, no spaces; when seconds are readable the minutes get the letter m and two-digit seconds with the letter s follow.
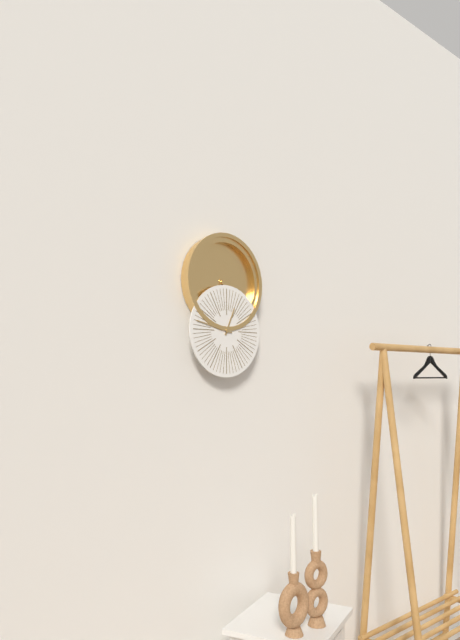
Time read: 12h47
